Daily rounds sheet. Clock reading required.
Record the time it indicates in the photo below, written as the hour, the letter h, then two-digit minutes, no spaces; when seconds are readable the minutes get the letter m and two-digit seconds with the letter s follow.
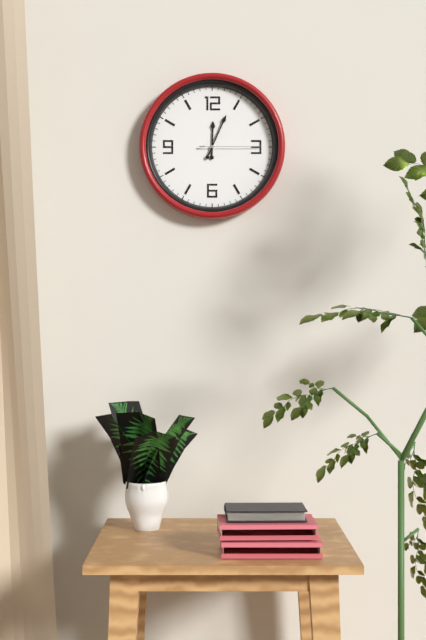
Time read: 12h04m15s
